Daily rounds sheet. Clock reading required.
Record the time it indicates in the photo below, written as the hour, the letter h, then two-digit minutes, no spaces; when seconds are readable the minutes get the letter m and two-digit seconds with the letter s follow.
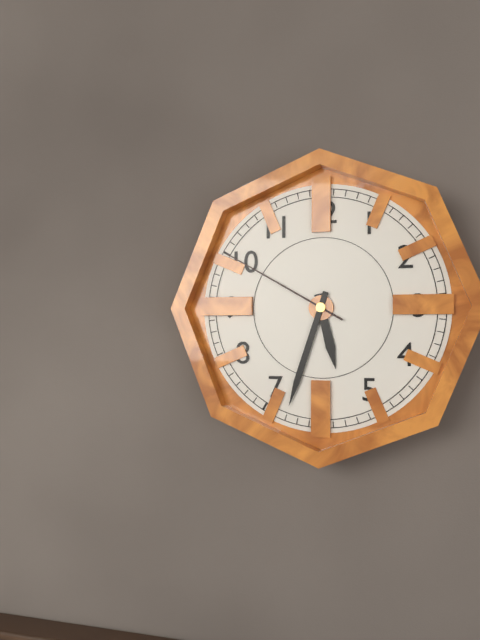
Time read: 5h33m50s
